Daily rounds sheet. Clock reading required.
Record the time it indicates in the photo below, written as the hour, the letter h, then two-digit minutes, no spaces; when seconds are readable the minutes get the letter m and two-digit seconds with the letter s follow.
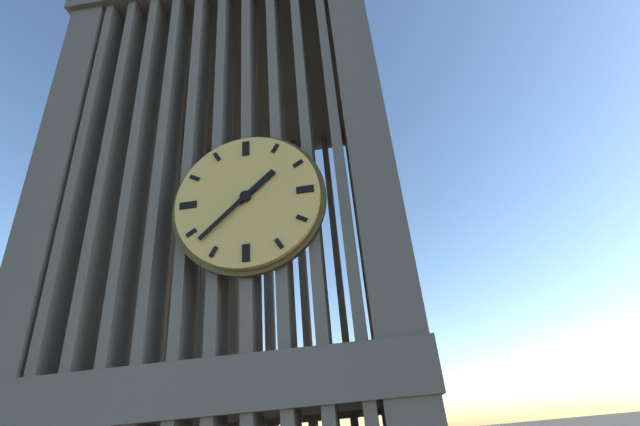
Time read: 1h38
